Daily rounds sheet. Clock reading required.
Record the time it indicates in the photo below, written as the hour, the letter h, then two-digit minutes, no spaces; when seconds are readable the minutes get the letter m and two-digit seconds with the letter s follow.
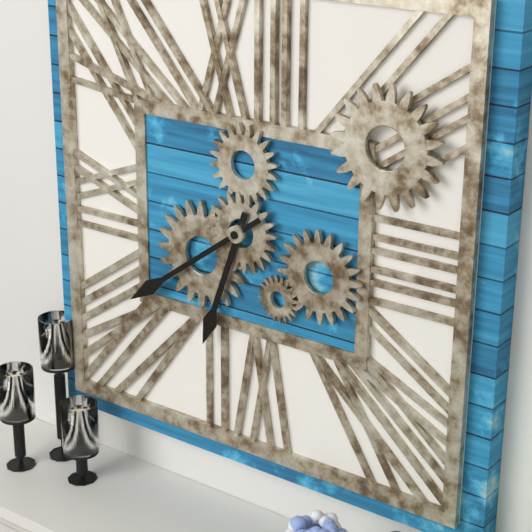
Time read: 6h39
